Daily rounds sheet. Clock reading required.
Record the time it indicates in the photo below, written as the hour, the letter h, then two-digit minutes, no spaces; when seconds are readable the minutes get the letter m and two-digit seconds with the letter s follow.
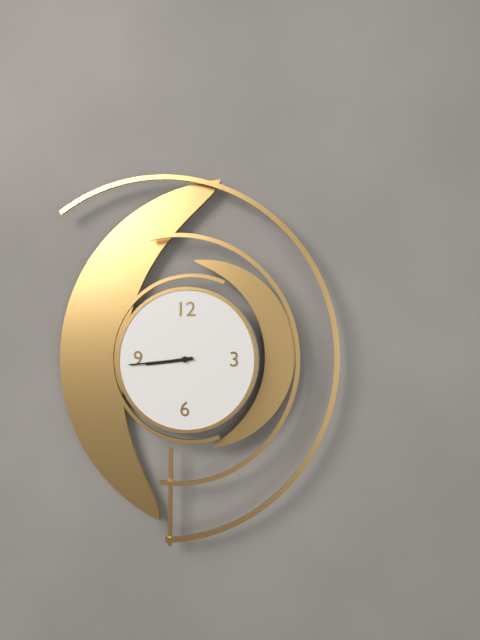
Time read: 8h44
